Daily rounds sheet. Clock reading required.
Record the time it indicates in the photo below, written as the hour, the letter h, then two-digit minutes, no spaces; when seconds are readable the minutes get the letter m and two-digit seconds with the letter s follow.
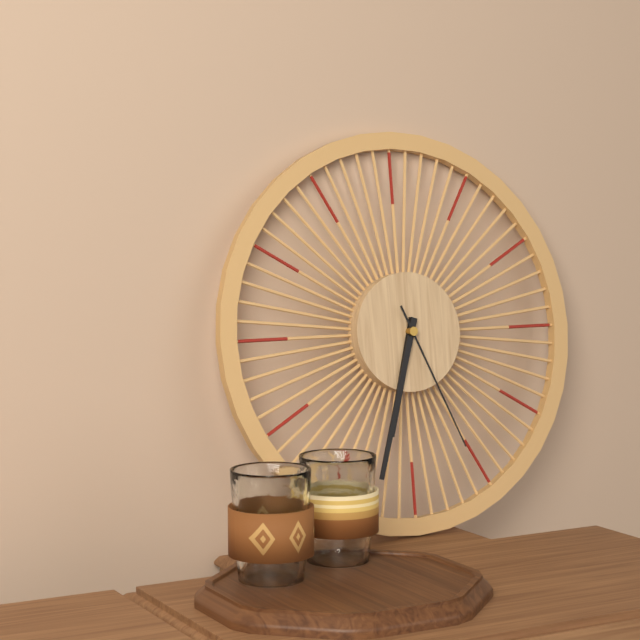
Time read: 6h33m26s
